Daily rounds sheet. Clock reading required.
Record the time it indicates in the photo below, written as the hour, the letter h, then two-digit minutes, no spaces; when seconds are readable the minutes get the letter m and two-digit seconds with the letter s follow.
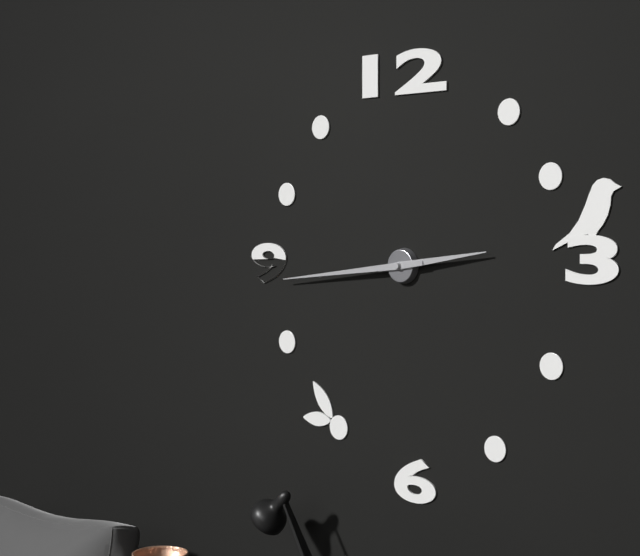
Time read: 2h44
